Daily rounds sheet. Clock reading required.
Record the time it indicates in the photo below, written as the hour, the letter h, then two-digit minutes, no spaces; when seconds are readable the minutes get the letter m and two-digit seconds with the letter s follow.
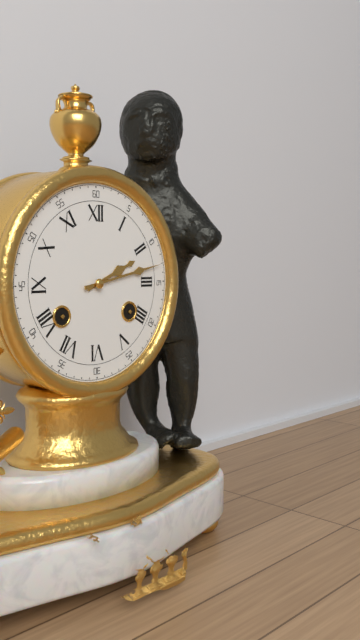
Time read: 2h13
